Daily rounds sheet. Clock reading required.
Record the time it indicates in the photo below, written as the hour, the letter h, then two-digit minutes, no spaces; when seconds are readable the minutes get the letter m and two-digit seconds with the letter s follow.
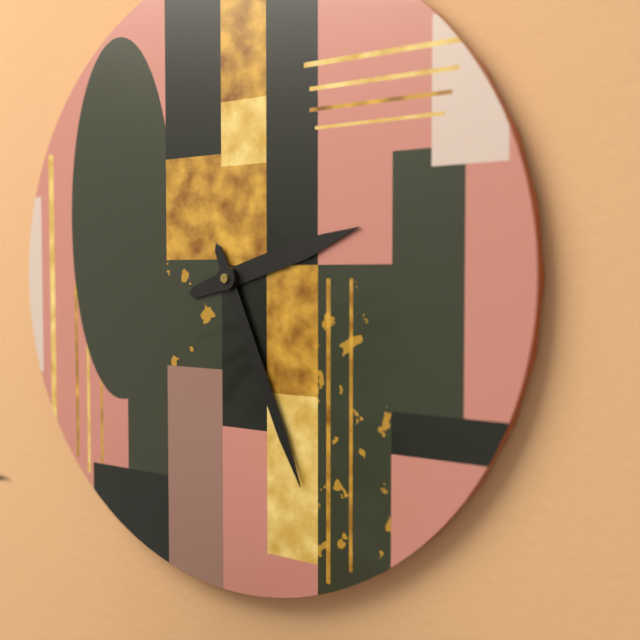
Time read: 2h26
